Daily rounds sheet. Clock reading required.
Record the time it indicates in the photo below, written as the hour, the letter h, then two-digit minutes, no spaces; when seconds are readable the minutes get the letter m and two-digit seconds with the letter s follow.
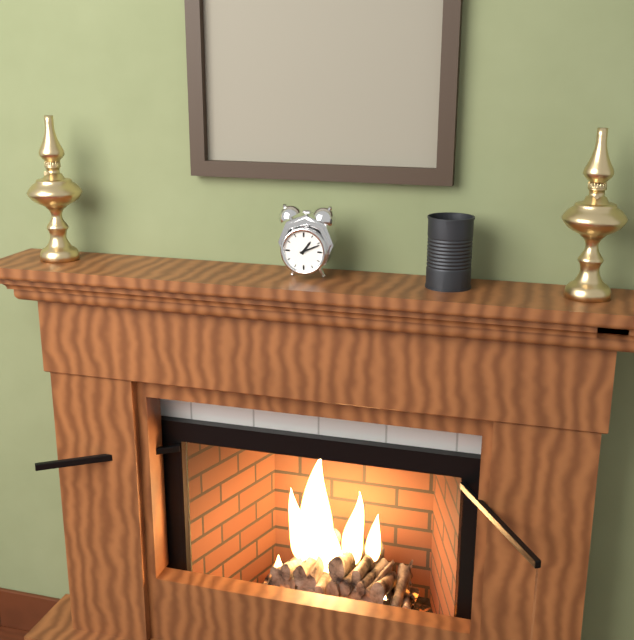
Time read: 1h11
